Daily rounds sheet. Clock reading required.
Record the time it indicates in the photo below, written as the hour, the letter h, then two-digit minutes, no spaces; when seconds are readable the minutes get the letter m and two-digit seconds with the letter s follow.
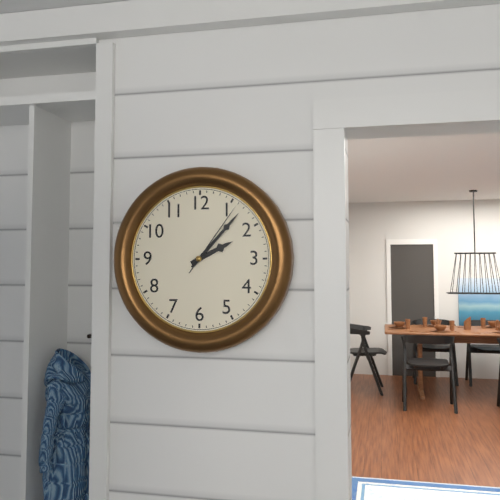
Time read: 2h07m06s
